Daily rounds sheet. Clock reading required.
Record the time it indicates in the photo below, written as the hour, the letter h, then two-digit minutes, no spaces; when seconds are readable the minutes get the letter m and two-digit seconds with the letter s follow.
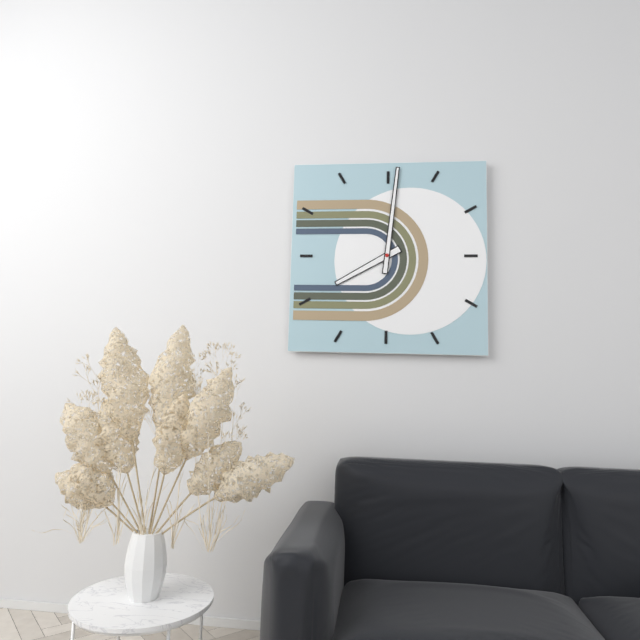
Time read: 8h01
